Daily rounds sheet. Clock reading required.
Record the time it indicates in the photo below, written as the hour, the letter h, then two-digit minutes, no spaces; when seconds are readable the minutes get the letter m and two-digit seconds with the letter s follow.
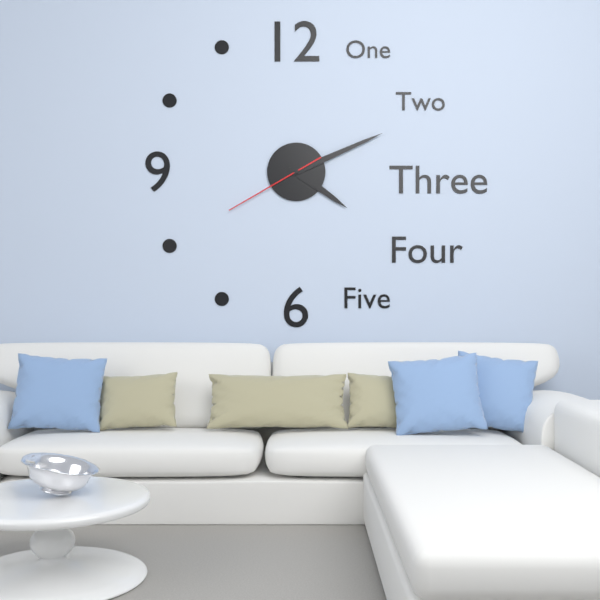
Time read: 4h11m40s
